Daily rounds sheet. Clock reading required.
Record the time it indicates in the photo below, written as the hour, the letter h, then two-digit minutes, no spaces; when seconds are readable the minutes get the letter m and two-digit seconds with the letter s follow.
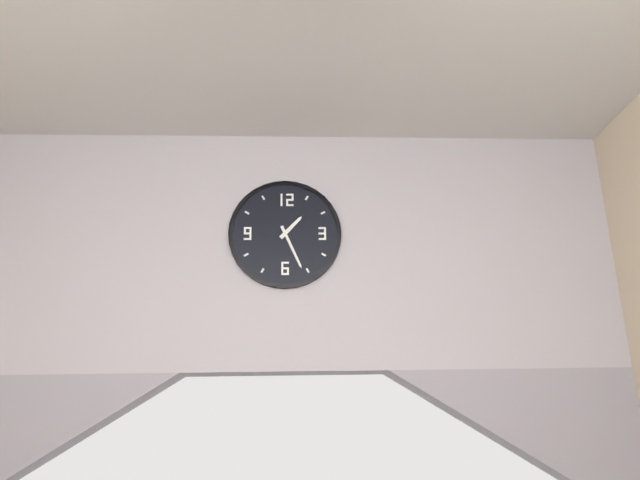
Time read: 1h26
